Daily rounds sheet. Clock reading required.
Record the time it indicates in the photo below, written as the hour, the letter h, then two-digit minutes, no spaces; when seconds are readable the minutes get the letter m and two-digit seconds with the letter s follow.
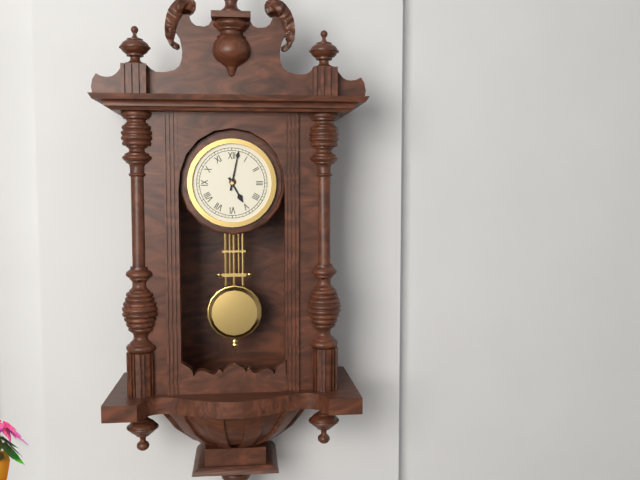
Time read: 5h02
